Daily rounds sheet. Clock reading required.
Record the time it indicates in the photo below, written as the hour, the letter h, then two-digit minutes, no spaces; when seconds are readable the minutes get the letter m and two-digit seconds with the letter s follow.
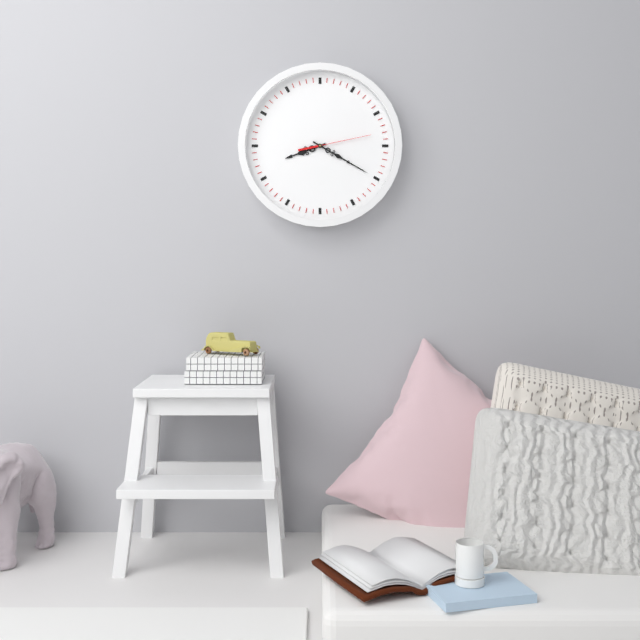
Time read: 8h20m13s
